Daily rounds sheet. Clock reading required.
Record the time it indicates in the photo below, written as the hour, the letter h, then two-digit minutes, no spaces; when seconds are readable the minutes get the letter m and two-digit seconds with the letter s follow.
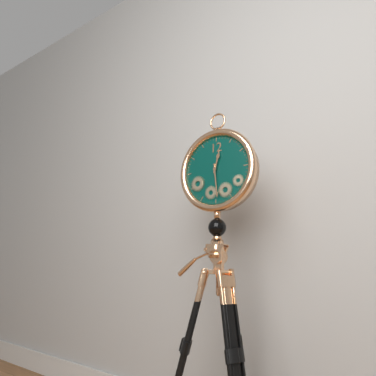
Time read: 12h29
